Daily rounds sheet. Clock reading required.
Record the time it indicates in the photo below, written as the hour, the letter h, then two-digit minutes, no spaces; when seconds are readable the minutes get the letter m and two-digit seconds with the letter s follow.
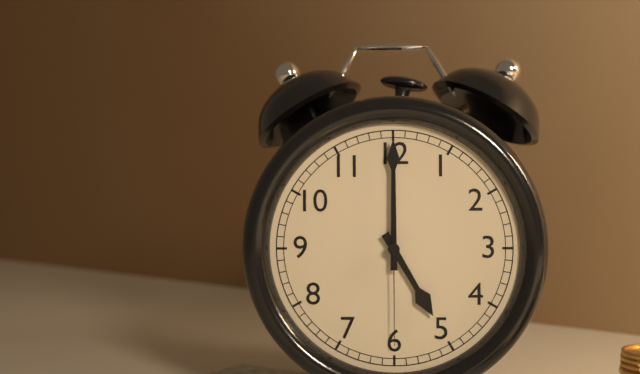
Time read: 5h00m30s
